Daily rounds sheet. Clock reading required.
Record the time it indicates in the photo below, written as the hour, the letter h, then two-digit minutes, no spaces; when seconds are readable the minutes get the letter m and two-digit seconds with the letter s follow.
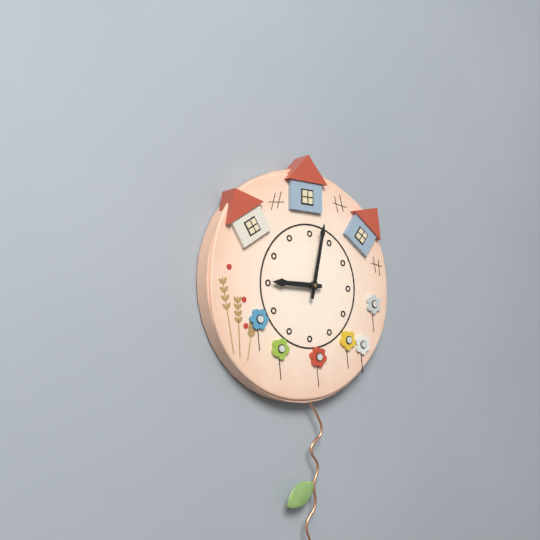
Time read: 9h02
